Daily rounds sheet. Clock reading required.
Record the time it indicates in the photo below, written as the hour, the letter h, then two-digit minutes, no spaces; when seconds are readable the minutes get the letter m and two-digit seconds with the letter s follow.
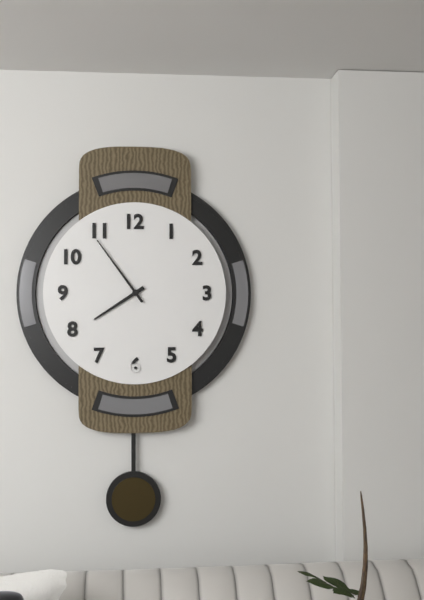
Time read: 7h54
